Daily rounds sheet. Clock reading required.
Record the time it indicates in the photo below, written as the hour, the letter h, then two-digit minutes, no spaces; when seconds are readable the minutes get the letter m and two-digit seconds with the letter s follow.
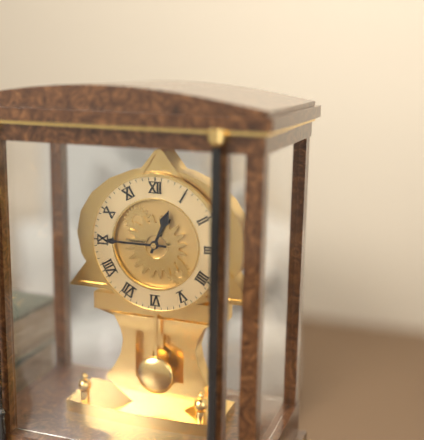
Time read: 12h45
